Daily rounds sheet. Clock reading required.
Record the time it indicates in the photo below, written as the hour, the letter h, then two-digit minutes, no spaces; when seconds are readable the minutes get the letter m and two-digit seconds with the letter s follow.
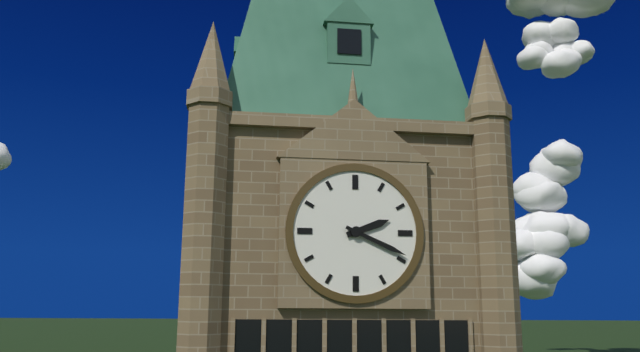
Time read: 2h19
